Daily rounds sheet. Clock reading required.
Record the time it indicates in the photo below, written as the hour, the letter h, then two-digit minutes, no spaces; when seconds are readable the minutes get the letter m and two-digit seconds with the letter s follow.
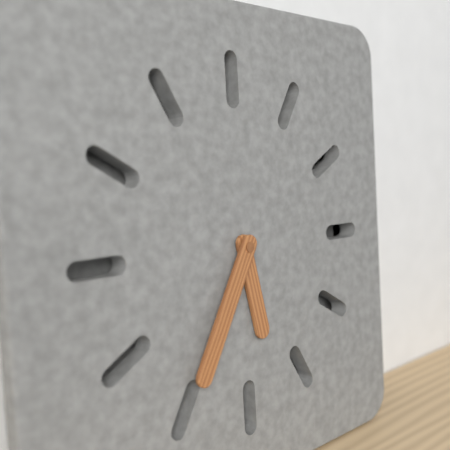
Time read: 5h35
